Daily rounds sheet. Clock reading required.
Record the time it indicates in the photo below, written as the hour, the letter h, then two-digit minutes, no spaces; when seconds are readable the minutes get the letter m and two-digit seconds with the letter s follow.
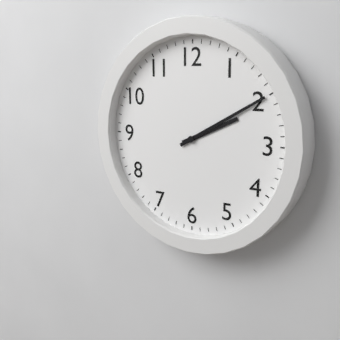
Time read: 2h10
